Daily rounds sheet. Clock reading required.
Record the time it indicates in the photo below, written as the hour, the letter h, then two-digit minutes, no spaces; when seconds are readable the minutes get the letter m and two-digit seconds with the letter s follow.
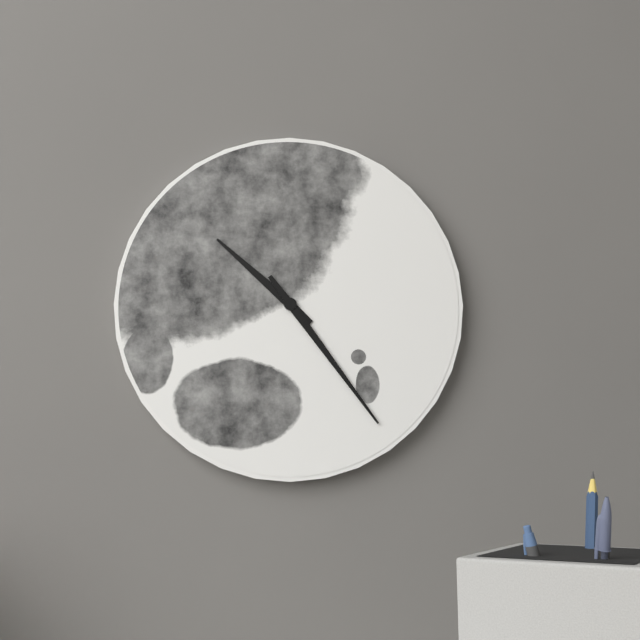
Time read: 10h24
